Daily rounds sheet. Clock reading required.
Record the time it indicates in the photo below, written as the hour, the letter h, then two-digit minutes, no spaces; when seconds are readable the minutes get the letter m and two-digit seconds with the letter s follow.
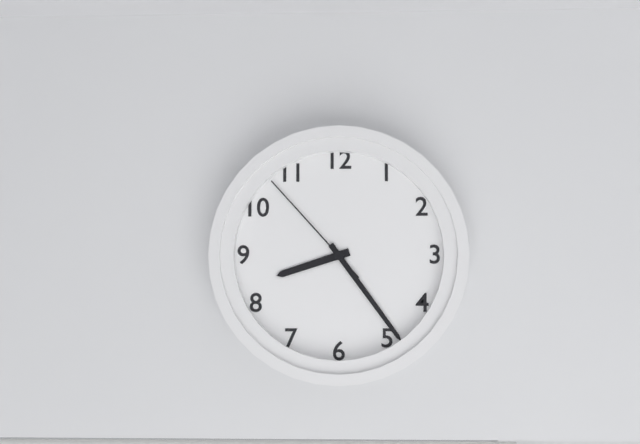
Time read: 8h24m53s
